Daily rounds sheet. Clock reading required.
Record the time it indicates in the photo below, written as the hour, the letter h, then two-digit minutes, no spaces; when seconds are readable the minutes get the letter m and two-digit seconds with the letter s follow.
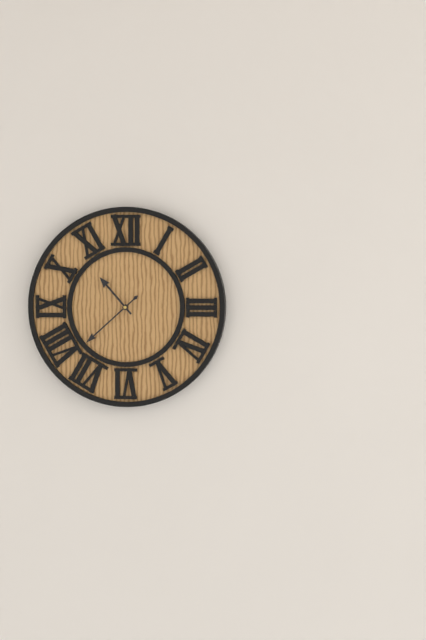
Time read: 10h38
